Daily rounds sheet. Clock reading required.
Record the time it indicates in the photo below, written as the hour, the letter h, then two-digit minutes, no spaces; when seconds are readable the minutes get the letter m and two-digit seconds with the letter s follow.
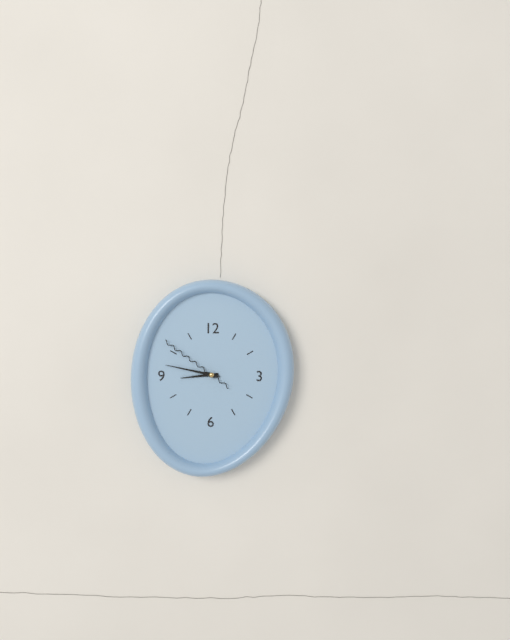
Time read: 8h47m51s
